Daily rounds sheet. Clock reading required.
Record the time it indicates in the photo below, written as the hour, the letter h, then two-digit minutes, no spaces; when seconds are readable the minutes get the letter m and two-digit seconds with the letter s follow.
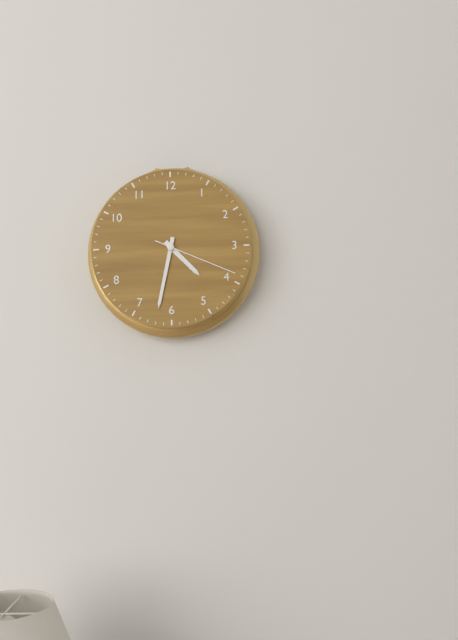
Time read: 4h32m19s
